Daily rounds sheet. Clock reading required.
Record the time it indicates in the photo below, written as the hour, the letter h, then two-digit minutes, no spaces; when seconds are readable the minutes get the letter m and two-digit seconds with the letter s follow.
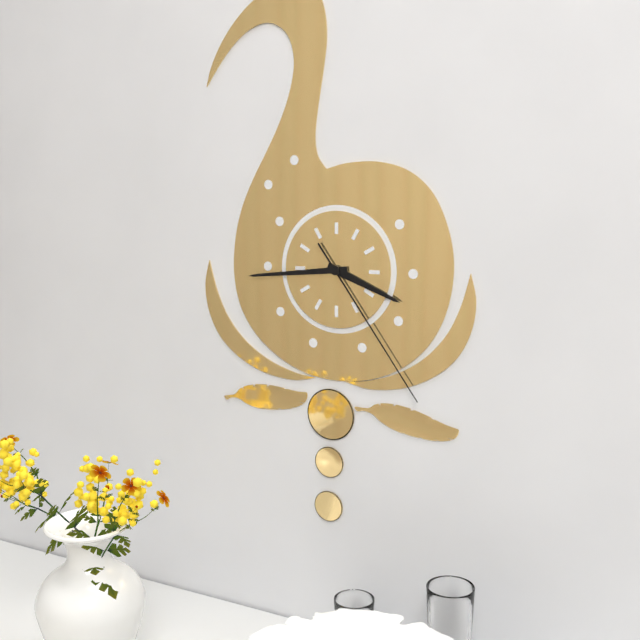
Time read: 3h44m24s
